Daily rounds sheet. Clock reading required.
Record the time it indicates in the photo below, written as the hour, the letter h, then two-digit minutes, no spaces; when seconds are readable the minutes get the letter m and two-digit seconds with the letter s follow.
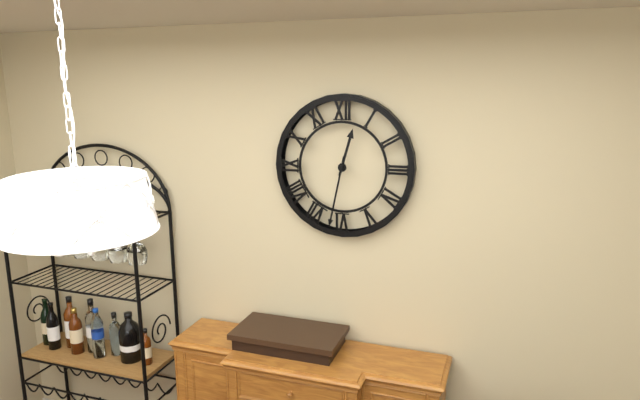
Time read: 12h32
